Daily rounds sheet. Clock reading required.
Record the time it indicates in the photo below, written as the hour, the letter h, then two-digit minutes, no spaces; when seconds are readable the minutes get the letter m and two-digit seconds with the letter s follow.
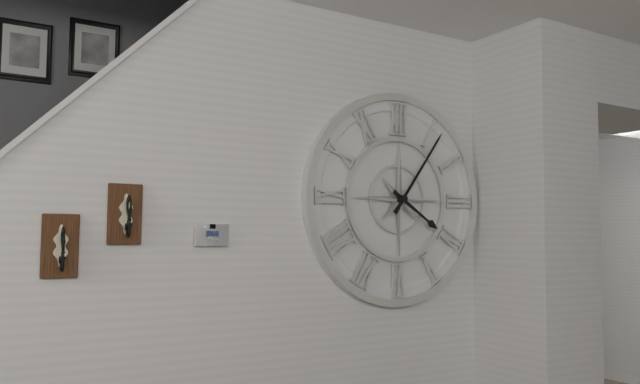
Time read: 4h06
